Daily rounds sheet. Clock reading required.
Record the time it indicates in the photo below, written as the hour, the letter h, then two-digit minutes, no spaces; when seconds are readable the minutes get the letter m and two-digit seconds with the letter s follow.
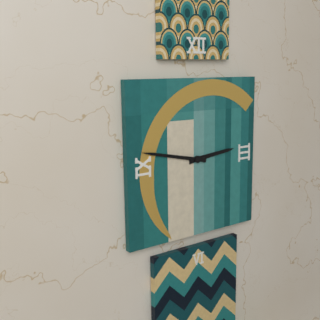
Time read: 2h47
